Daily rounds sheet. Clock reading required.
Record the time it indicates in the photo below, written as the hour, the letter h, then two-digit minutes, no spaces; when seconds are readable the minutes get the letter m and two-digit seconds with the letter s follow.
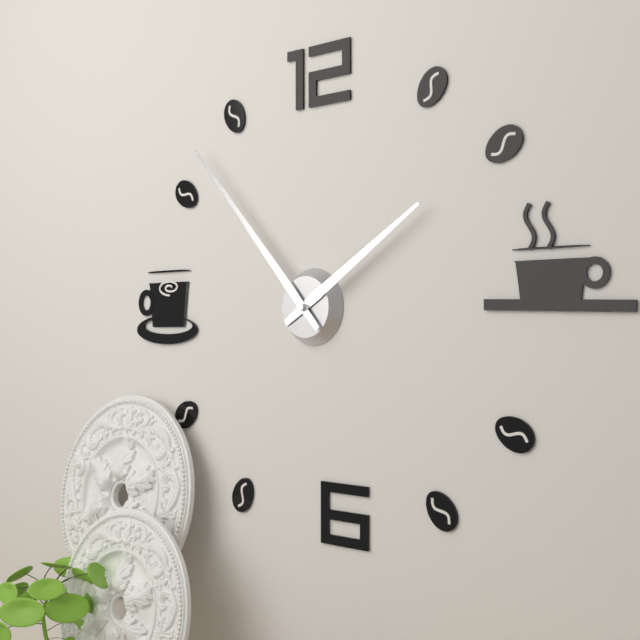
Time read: 1h53
